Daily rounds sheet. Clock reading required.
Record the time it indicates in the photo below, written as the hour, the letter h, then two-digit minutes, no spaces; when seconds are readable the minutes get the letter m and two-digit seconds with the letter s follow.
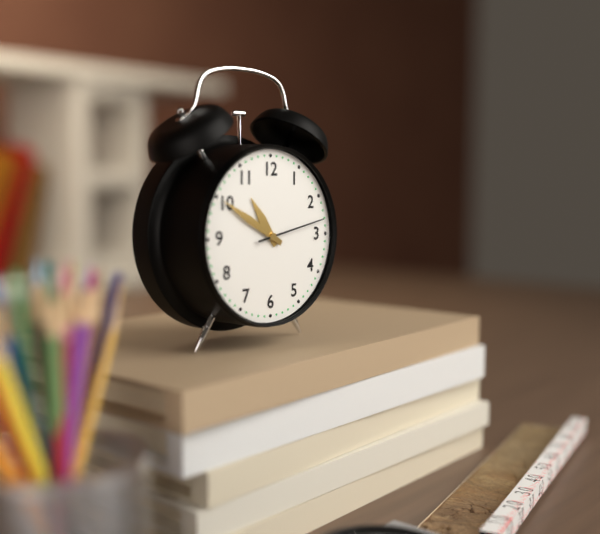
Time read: 10h50m13s
